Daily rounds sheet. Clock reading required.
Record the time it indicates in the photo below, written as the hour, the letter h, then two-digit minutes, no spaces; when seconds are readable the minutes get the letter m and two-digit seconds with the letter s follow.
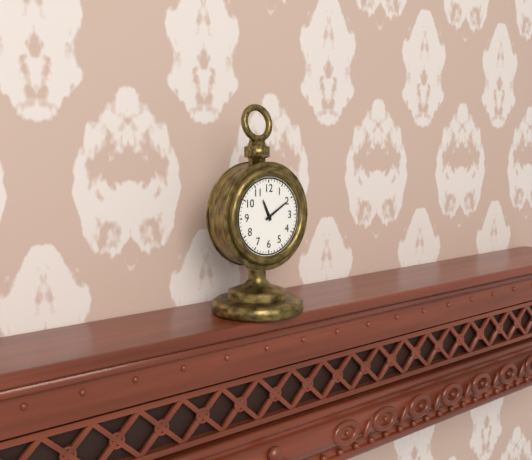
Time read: 11h10
